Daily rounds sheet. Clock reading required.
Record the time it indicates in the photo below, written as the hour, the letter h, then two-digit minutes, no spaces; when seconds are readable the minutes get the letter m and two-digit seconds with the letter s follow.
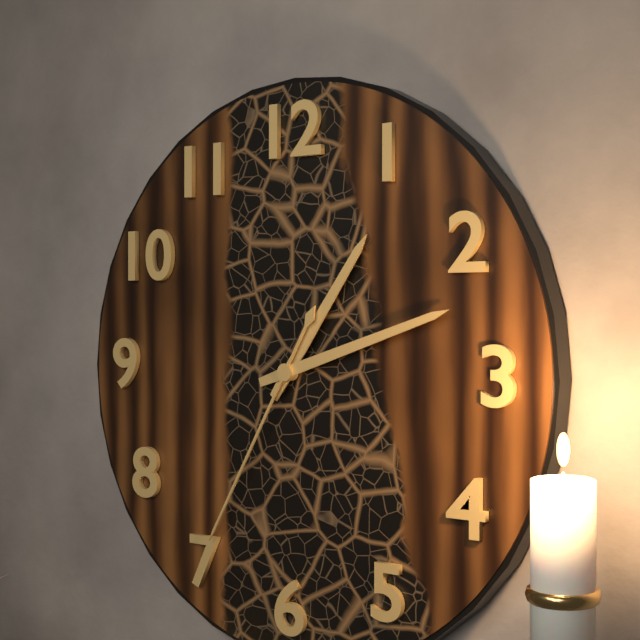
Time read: 1h12m35s
